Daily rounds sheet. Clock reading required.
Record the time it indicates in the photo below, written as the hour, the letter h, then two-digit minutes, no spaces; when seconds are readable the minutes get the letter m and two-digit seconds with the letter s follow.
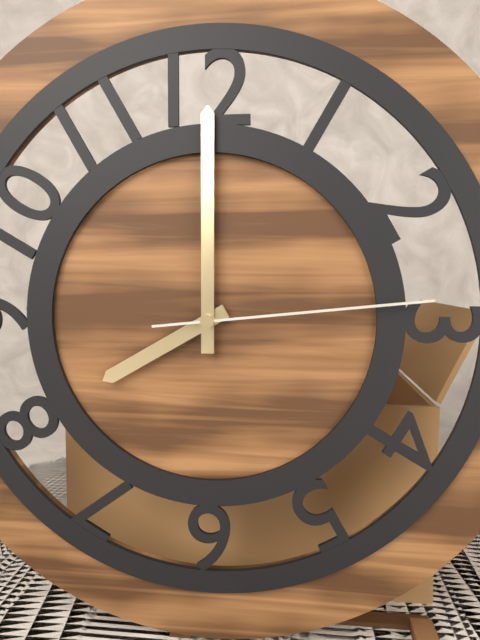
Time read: 8h00m14s
